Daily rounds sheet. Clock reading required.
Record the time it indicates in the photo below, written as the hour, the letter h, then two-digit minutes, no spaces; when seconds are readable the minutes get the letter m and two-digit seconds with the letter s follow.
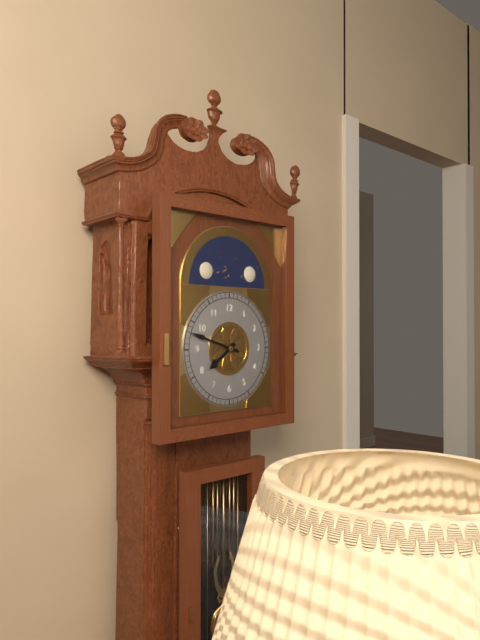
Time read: 7h48
